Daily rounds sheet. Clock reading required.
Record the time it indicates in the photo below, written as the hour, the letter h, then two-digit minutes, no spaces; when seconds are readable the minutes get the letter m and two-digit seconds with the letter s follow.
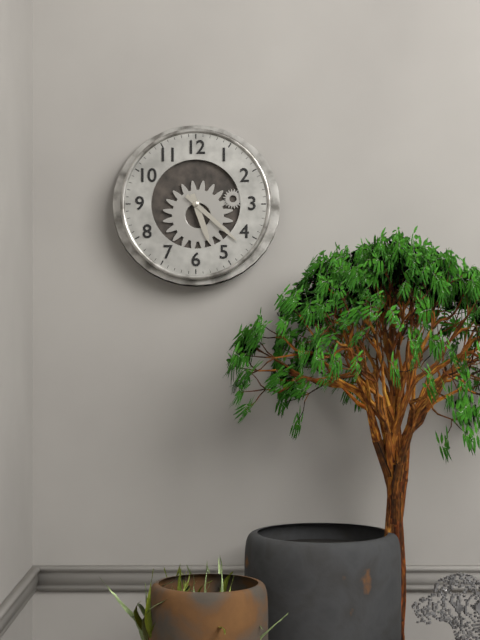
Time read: 5h22
